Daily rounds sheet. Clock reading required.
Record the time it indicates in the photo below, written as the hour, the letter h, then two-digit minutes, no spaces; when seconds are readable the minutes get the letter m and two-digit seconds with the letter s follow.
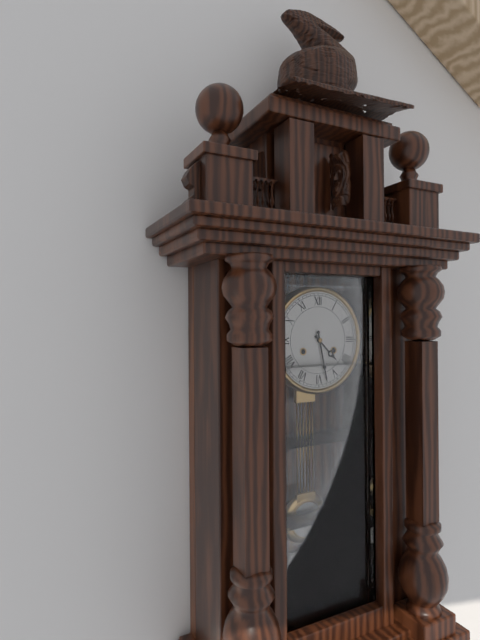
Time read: 4h28
